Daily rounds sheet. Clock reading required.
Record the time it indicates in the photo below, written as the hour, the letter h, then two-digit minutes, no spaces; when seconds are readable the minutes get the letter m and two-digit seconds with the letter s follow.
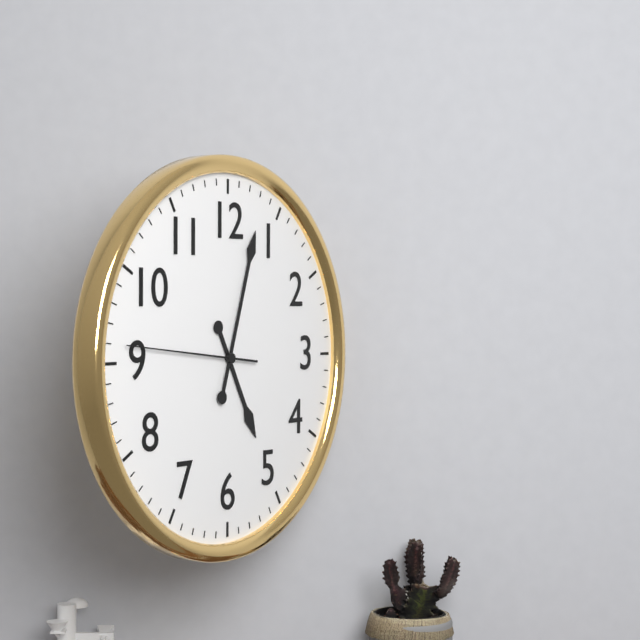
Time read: 5h03m46s
